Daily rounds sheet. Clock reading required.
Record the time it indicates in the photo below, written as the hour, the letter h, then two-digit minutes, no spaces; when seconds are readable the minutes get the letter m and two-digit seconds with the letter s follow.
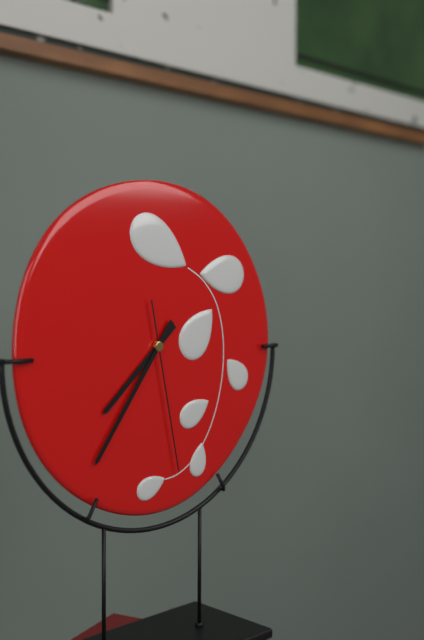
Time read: 7h36m28s
